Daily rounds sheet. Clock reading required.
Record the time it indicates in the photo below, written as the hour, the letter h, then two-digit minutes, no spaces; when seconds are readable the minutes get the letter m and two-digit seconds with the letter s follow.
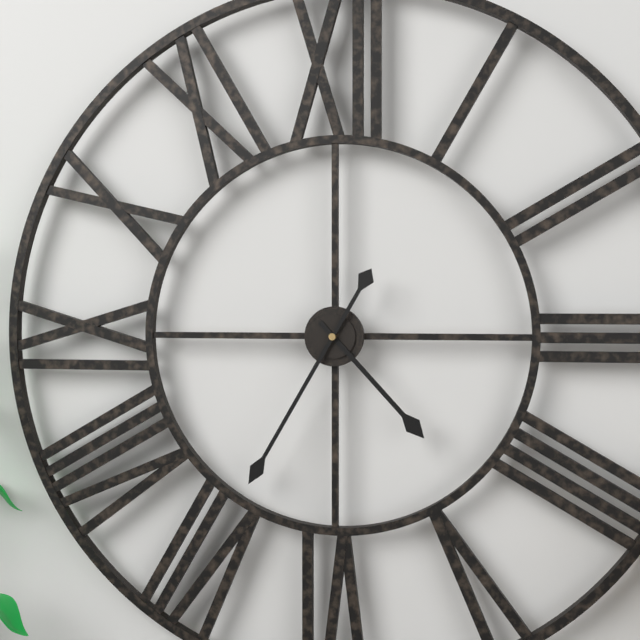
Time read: 4h35
